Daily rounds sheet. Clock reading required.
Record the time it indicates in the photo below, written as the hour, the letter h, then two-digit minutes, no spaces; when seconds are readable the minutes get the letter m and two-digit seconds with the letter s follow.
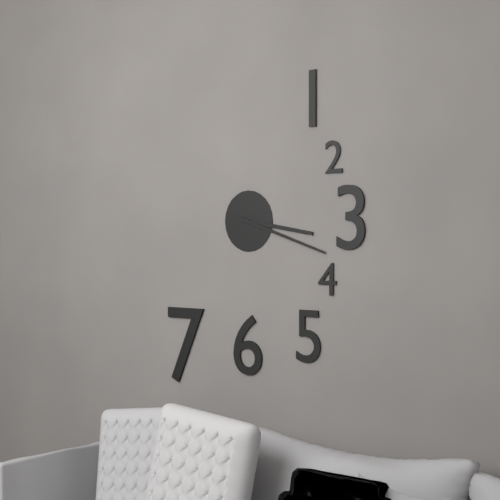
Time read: 3h18
